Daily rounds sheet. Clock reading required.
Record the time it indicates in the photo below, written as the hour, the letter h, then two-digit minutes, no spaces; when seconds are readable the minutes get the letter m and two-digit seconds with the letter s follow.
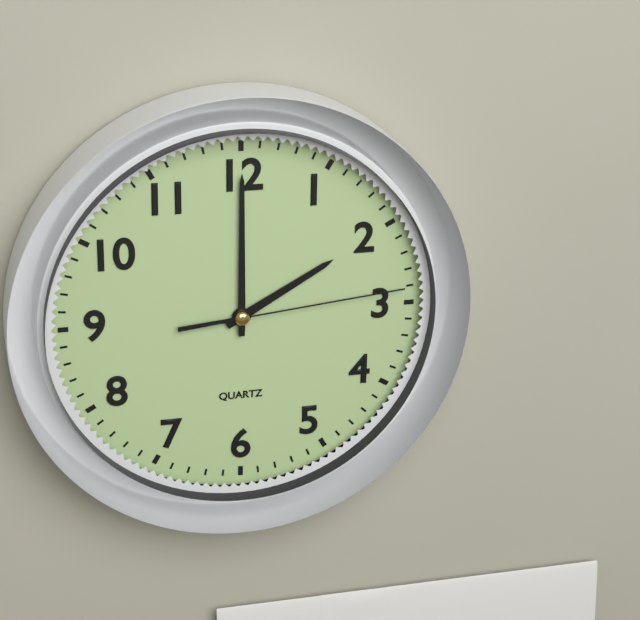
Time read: 2h00m14s
